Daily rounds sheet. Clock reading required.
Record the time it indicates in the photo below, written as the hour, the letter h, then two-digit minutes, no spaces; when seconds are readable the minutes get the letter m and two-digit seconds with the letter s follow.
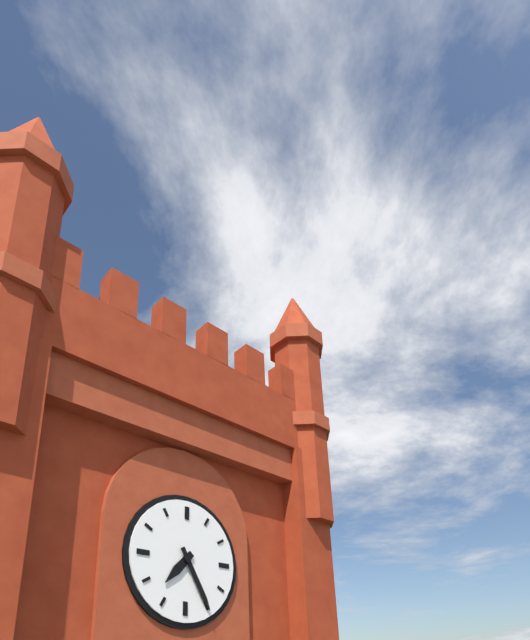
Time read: 7h25
